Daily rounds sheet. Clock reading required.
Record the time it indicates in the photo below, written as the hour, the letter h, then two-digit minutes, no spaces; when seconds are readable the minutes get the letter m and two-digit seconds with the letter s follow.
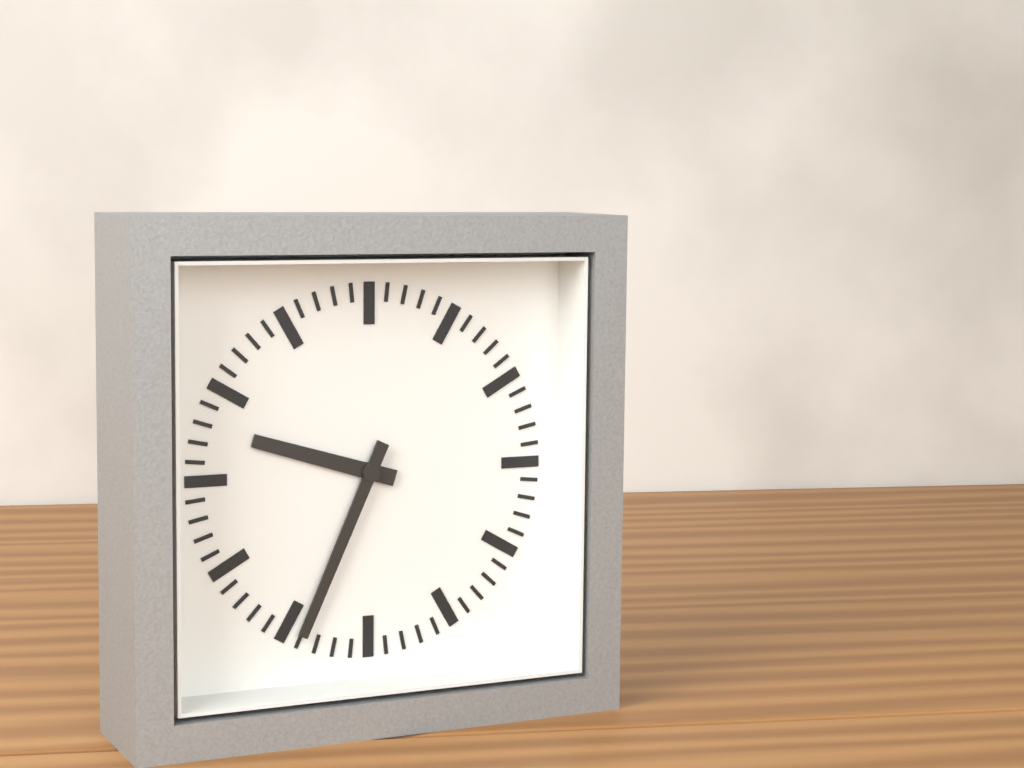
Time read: 9h34
